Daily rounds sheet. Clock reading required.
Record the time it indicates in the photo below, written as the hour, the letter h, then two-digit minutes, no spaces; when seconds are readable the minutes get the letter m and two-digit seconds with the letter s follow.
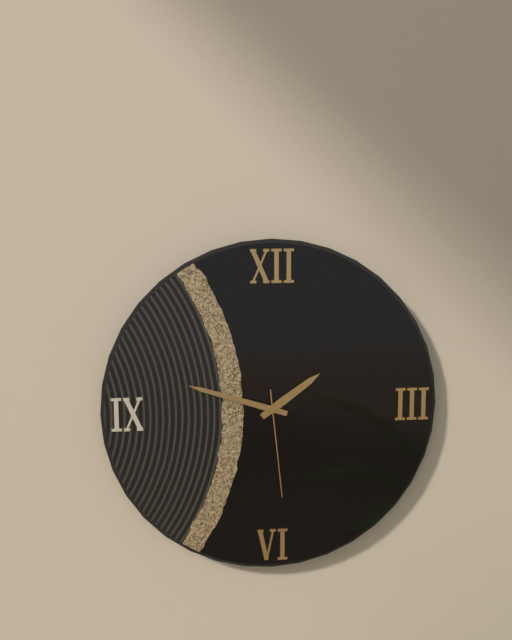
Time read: 1h48m29s
